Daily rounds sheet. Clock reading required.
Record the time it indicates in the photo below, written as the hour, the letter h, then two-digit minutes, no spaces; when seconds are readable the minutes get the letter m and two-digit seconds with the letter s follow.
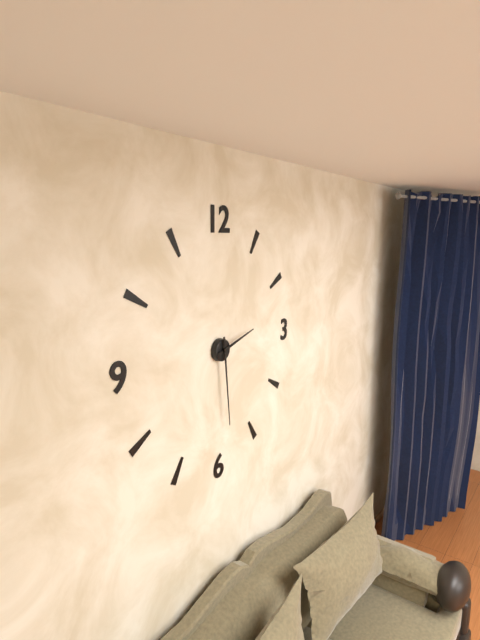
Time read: 2h29
